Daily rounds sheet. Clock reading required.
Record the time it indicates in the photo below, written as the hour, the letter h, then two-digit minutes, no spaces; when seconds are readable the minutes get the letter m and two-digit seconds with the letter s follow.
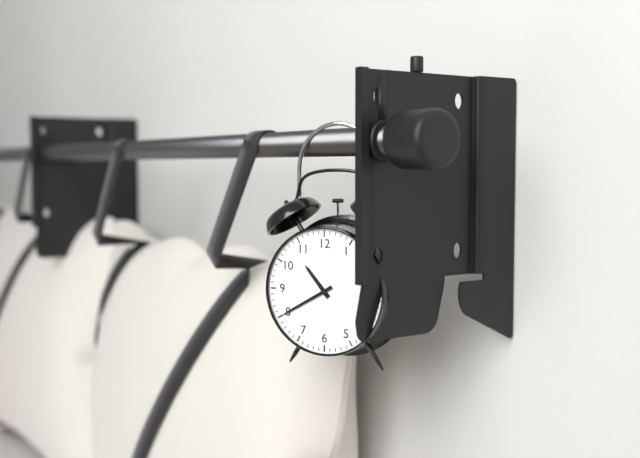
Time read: 10h40
